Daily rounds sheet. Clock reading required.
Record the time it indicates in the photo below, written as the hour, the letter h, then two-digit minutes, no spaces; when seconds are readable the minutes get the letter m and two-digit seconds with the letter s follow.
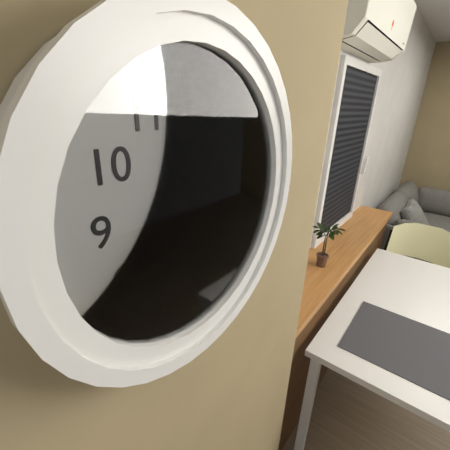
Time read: 4h10
